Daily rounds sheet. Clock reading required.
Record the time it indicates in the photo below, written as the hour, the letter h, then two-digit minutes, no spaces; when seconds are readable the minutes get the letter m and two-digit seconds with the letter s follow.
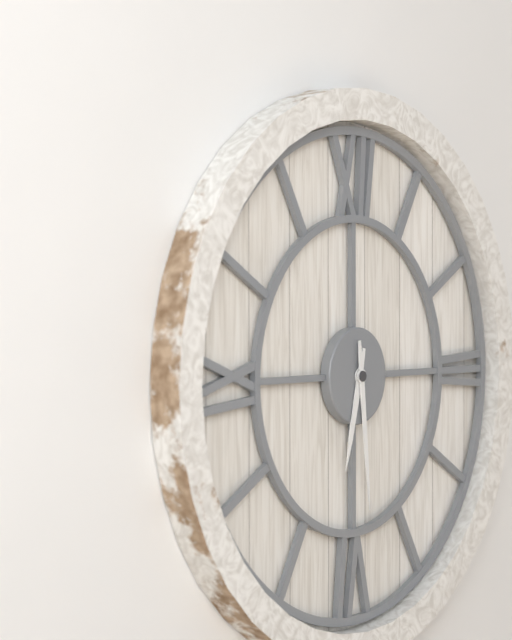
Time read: 6h29
